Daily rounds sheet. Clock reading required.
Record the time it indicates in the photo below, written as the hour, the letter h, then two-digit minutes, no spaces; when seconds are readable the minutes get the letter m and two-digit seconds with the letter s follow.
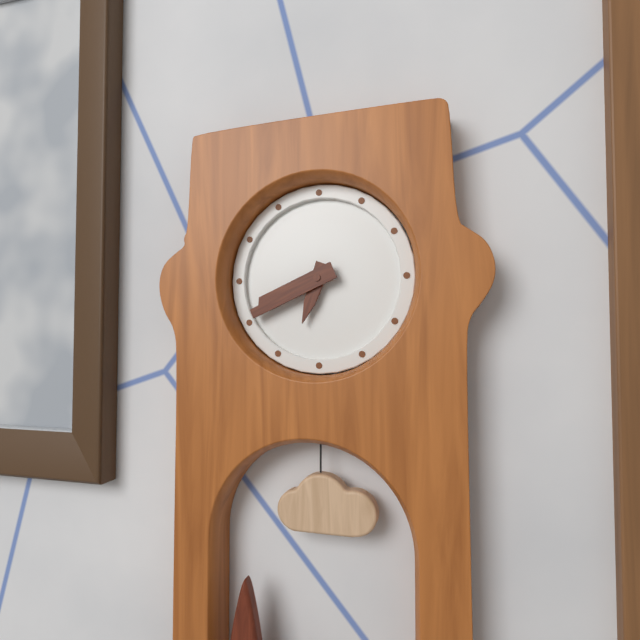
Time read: 6h41
